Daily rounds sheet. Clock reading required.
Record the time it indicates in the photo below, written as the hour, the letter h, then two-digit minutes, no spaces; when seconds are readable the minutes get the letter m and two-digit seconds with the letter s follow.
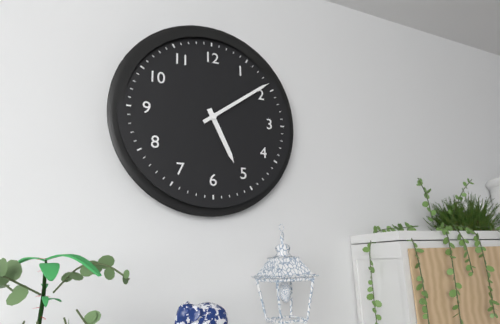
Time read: 5h09
